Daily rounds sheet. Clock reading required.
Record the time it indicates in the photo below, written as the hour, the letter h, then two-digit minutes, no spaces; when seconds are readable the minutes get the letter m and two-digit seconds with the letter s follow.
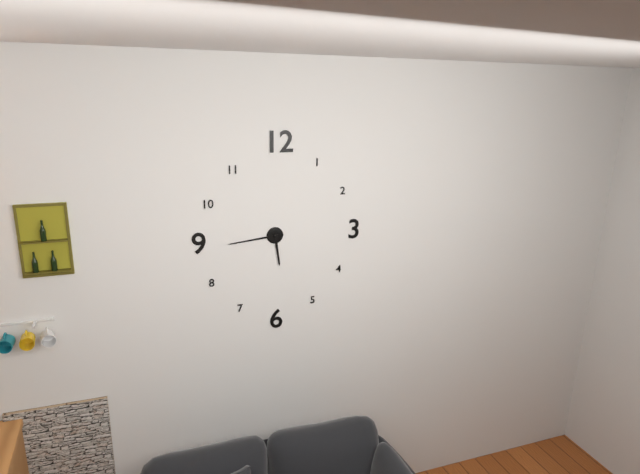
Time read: 5h44
